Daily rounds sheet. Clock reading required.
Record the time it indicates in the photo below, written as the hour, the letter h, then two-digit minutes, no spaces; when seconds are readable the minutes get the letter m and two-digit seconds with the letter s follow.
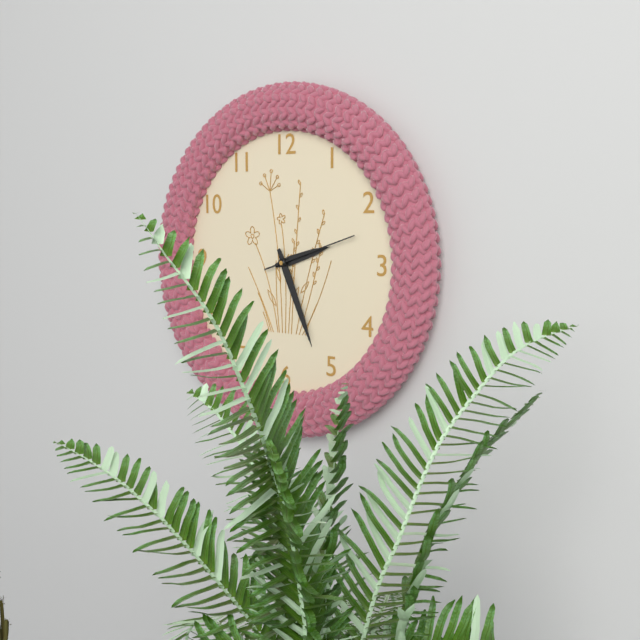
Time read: 2h26m12s
